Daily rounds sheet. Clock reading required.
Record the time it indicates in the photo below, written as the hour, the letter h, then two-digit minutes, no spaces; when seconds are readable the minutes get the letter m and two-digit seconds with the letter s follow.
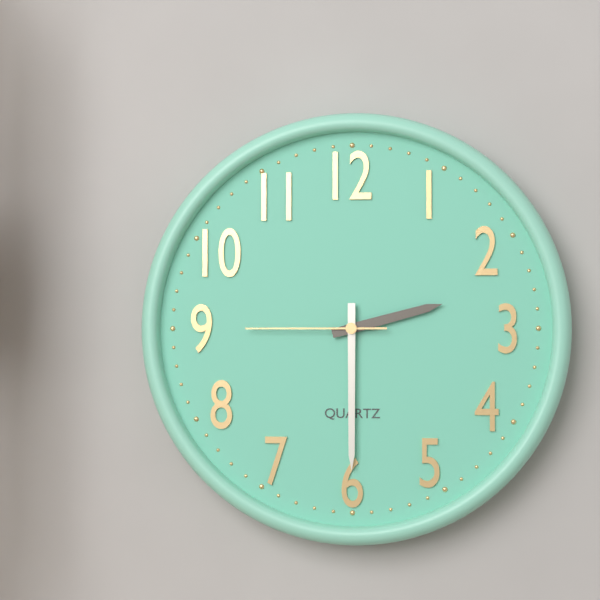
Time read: 2h30m45s
